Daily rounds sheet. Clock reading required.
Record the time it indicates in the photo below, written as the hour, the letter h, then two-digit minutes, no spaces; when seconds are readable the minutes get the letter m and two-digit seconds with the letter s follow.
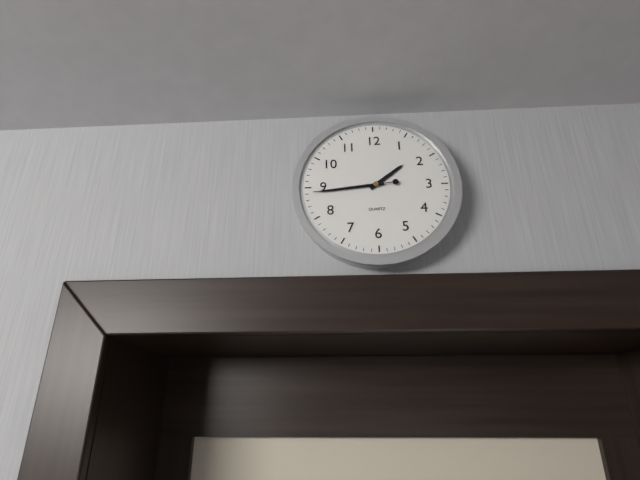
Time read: 1h44m44s
